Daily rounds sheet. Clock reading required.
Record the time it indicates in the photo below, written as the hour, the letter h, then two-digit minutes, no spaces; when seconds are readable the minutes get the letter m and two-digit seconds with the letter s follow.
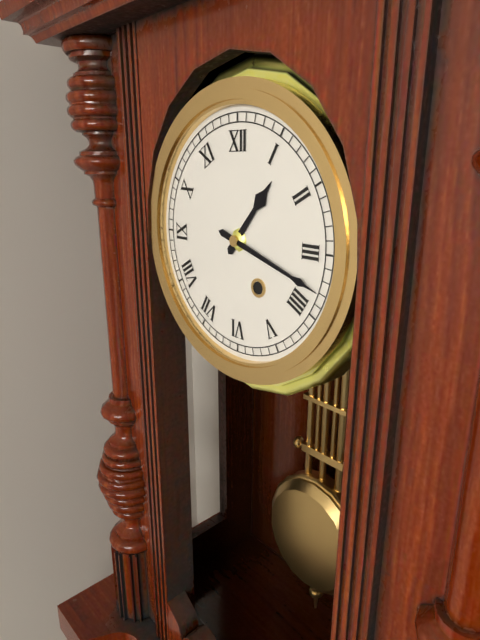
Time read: 1h18
